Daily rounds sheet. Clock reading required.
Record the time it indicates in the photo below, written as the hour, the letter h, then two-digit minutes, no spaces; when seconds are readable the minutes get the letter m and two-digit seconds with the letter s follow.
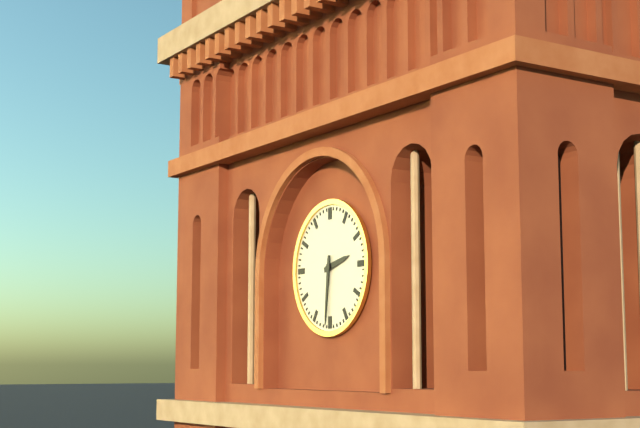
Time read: 2h31
